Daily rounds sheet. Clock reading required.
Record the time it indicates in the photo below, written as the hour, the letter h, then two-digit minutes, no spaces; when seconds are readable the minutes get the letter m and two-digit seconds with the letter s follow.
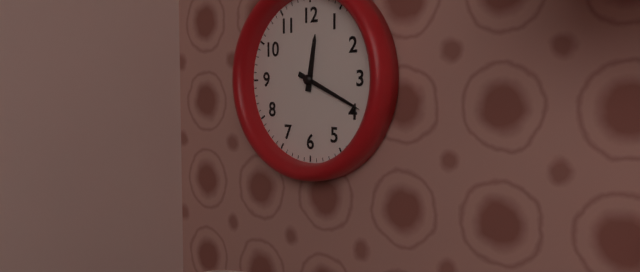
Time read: 12h19
